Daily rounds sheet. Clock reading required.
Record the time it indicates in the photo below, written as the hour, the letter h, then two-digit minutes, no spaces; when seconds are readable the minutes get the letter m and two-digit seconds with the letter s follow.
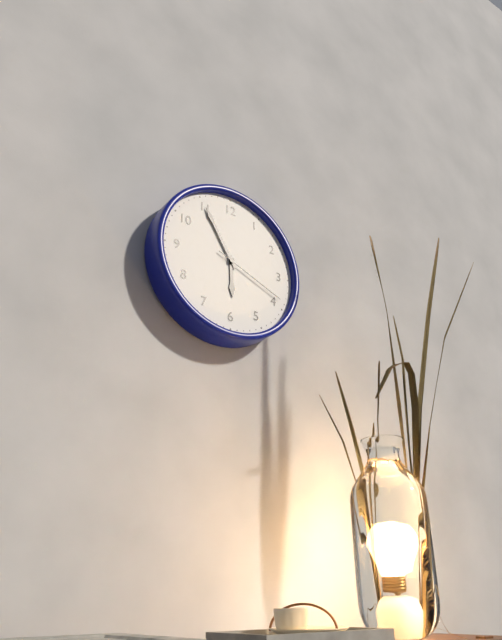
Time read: 5h55m19s
